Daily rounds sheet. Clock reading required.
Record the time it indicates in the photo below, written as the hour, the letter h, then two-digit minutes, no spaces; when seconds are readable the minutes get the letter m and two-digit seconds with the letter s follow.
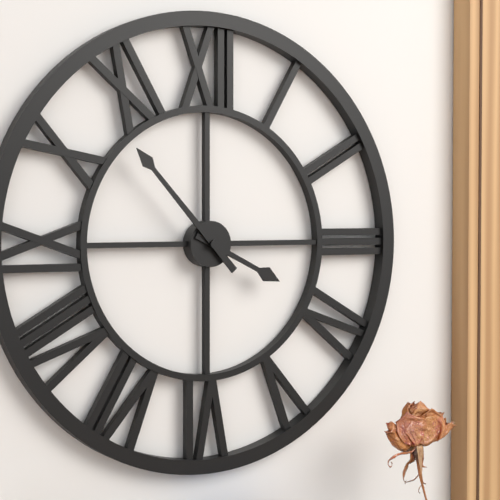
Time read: 3h53
